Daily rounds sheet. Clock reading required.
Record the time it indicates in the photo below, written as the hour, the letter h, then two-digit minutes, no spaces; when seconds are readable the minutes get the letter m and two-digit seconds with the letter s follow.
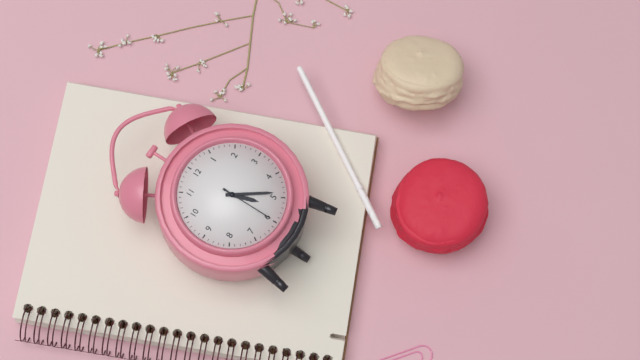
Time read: 5h24m30s
